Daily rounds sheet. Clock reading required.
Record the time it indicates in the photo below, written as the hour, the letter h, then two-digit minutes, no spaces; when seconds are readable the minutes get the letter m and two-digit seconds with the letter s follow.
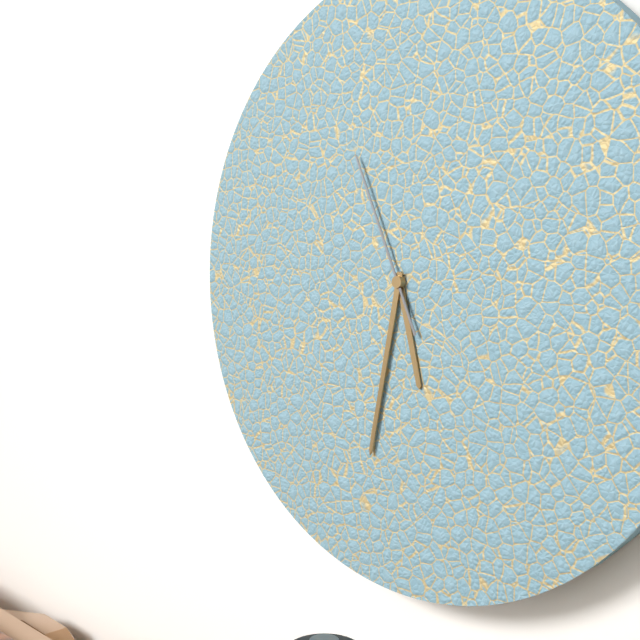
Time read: 5h32m56s
